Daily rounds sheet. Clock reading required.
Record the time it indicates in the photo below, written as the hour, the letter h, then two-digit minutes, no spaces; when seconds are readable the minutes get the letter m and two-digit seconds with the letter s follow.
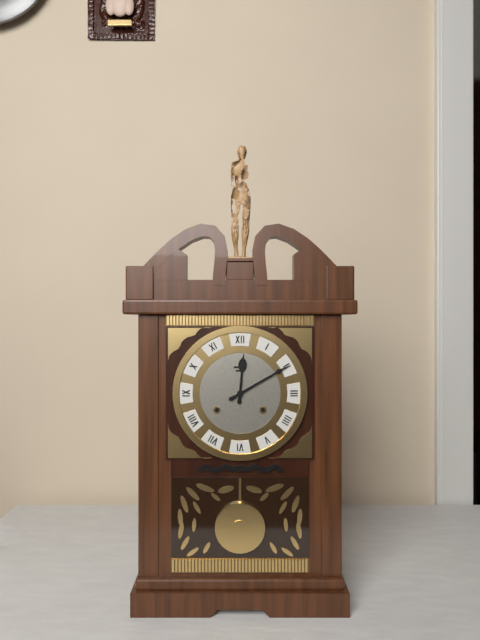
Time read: 12h10
